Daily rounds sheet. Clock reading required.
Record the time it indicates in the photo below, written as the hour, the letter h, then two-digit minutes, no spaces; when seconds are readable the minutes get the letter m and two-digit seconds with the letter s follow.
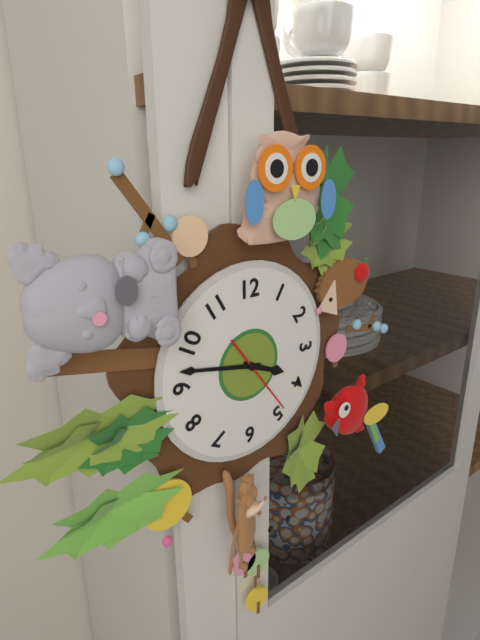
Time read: 3h47m24s
